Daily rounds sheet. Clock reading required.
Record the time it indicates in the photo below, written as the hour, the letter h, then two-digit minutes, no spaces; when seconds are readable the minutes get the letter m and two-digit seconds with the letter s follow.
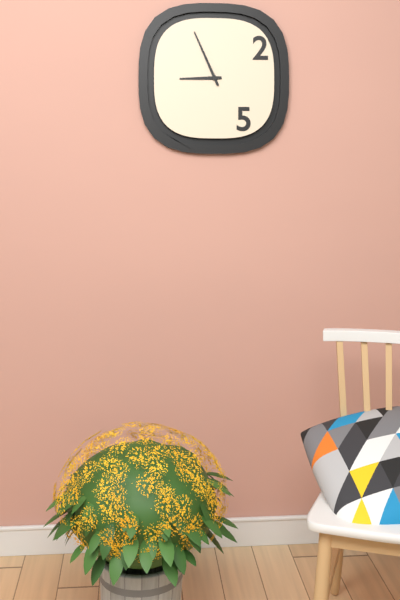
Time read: 8h56
